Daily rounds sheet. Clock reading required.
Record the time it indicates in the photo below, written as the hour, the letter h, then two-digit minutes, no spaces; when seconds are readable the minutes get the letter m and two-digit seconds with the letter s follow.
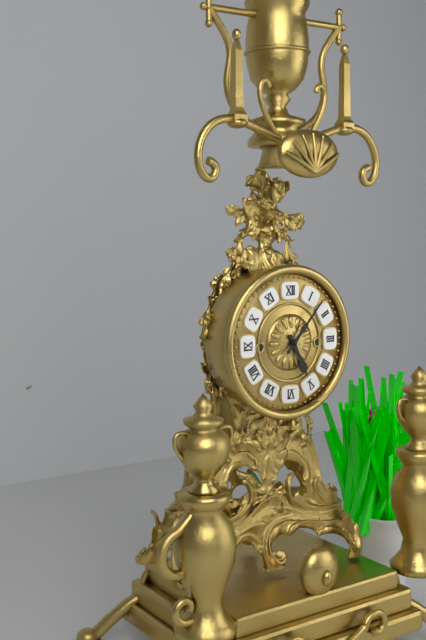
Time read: 5h07
